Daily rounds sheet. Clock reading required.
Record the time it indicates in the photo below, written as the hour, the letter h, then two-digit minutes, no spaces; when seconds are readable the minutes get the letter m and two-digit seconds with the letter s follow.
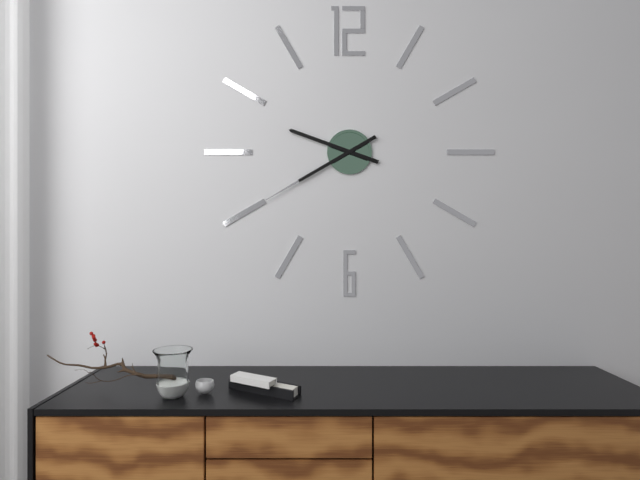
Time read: 9h40
